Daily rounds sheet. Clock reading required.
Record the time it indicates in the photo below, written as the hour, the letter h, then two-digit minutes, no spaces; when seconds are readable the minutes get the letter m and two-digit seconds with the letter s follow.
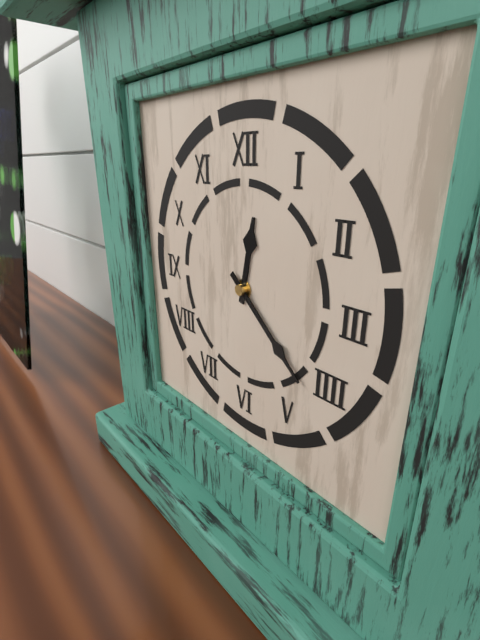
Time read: 12h22
